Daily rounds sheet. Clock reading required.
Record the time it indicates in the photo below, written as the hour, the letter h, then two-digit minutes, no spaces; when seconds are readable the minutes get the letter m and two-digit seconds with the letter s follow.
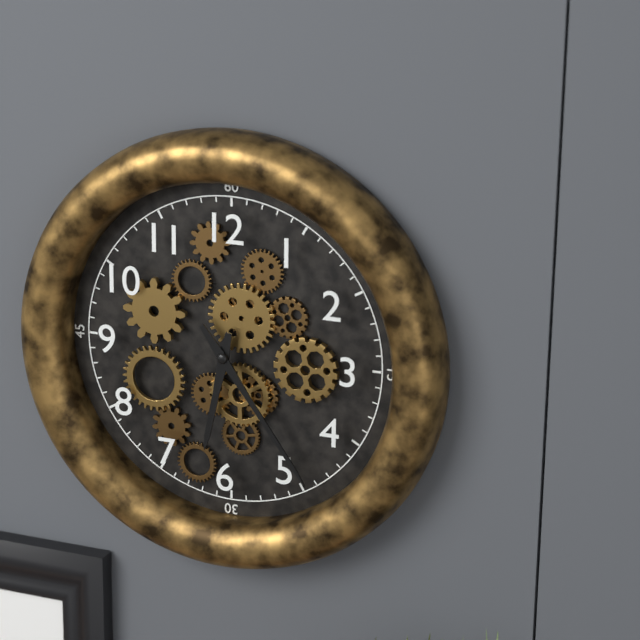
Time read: 6h24
